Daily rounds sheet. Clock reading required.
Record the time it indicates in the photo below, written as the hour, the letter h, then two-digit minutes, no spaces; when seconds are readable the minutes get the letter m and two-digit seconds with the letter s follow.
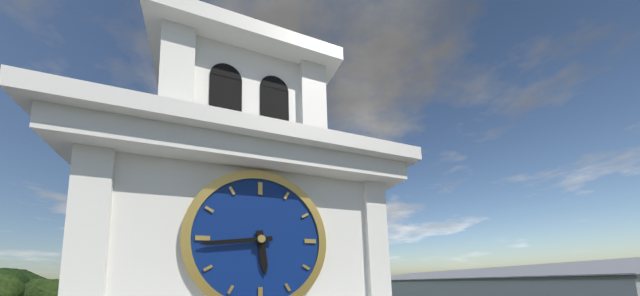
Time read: 5h44
